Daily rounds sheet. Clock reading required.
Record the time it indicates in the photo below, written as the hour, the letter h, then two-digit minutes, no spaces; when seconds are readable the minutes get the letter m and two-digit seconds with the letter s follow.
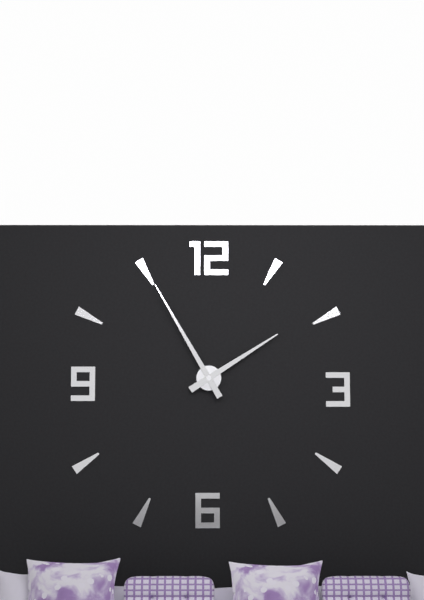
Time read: 1h55
